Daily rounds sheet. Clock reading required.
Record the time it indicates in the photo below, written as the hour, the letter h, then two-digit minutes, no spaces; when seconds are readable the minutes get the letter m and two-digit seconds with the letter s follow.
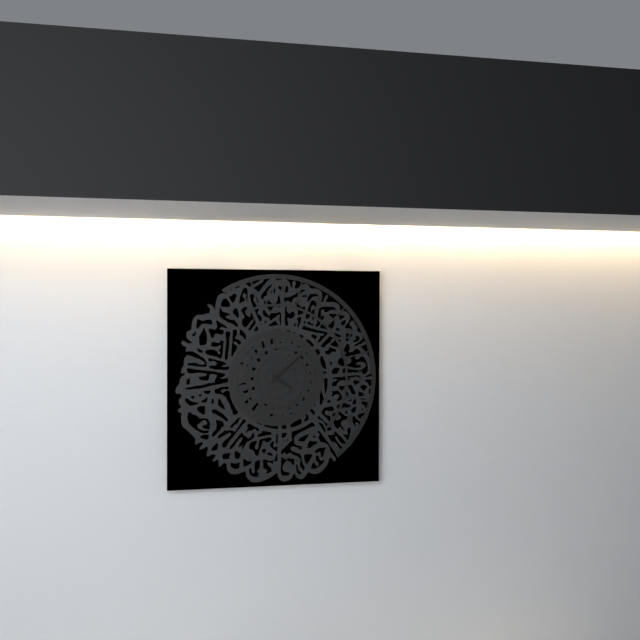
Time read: 4h08
